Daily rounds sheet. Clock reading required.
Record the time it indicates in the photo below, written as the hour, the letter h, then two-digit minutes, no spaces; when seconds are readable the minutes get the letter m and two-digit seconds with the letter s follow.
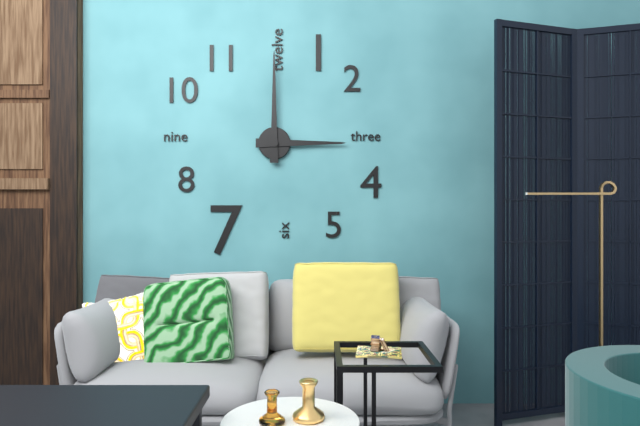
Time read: 3h00
